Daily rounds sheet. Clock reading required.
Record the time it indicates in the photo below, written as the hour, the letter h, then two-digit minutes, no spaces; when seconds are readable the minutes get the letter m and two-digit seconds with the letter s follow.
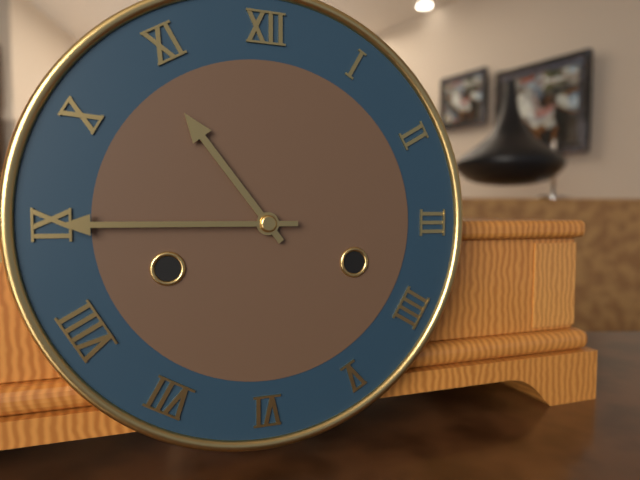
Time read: 10h45
